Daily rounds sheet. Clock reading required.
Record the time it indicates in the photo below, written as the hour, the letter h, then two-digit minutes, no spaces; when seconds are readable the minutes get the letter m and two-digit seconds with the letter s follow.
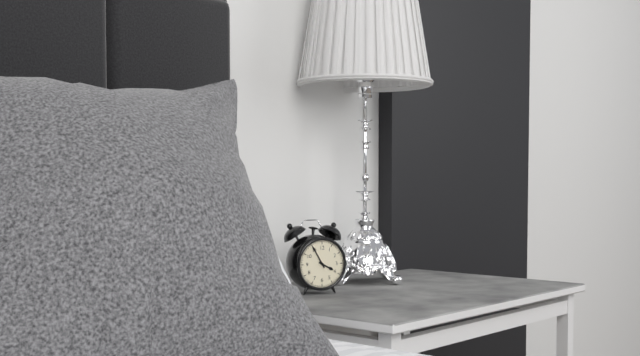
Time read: 3h55
